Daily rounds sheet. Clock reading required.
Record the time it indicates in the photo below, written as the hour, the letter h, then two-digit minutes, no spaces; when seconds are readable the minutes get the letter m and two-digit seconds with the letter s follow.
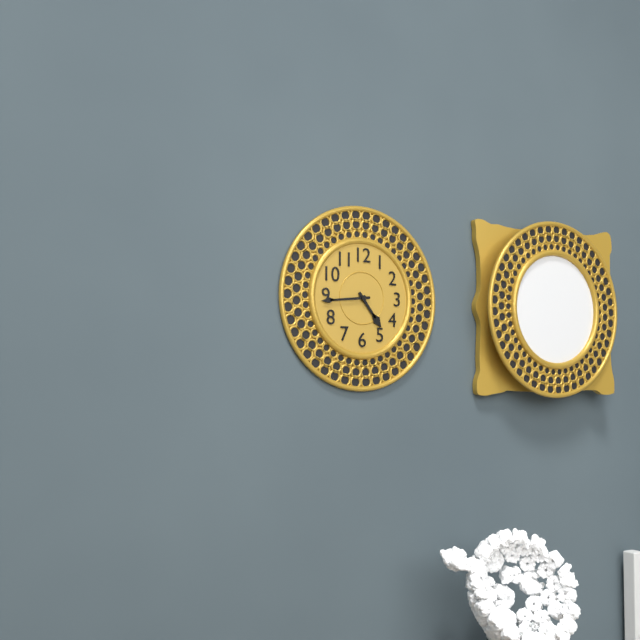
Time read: 4h44
